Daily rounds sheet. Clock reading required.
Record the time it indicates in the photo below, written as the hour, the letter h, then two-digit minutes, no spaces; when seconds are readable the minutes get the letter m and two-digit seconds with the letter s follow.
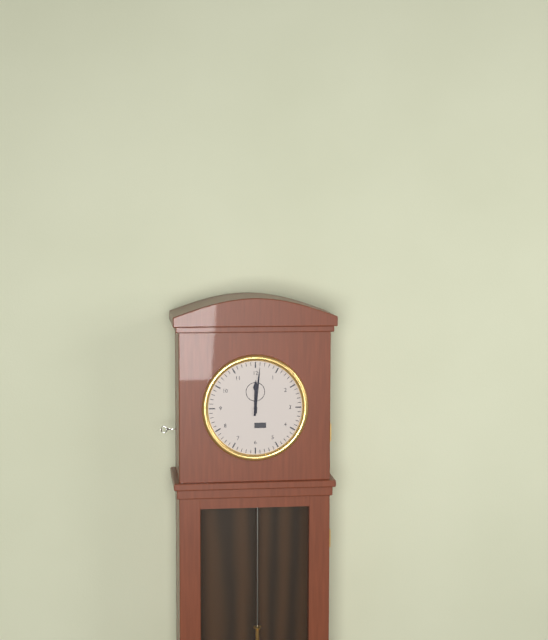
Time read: 12h01
